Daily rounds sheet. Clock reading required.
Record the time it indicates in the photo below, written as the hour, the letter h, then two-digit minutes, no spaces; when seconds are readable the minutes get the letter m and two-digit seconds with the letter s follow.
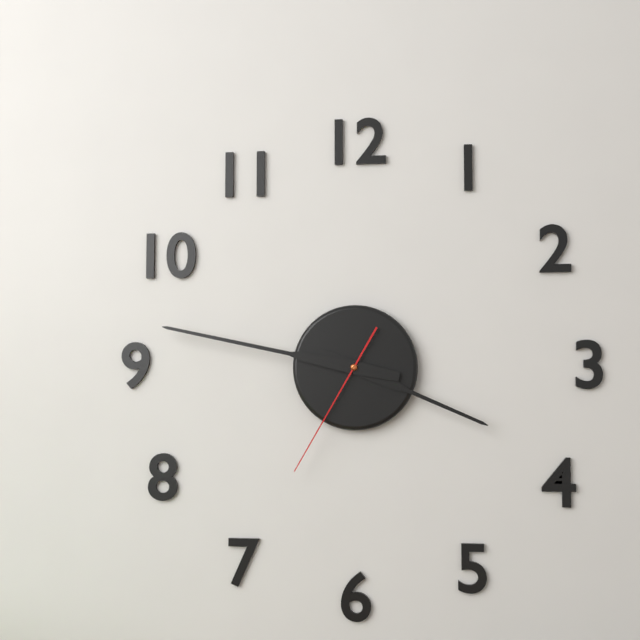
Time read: 3h47m35s
